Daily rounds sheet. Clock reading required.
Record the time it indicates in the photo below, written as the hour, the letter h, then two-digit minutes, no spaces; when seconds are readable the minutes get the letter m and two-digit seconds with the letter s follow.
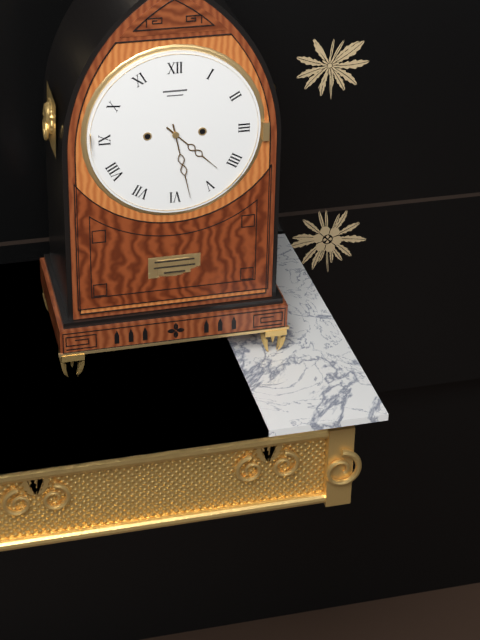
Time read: 4h28
